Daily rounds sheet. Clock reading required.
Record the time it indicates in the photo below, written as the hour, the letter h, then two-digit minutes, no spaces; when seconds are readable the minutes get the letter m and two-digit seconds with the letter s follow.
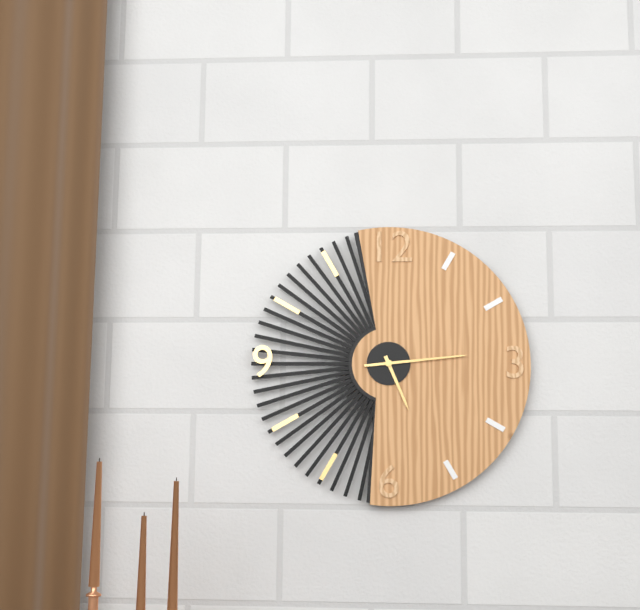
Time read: 5h14
